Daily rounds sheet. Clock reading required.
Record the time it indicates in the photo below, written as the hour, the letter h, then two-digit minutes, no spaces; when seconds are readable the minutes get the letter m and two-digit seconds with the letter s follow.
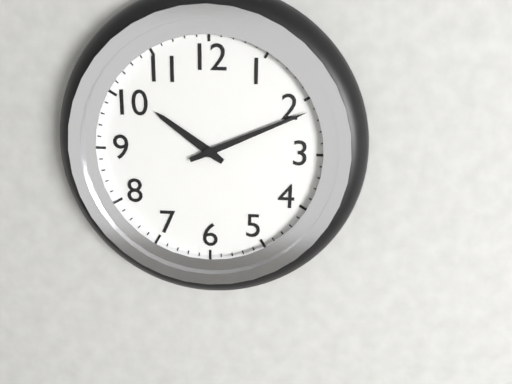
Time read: 10h11
